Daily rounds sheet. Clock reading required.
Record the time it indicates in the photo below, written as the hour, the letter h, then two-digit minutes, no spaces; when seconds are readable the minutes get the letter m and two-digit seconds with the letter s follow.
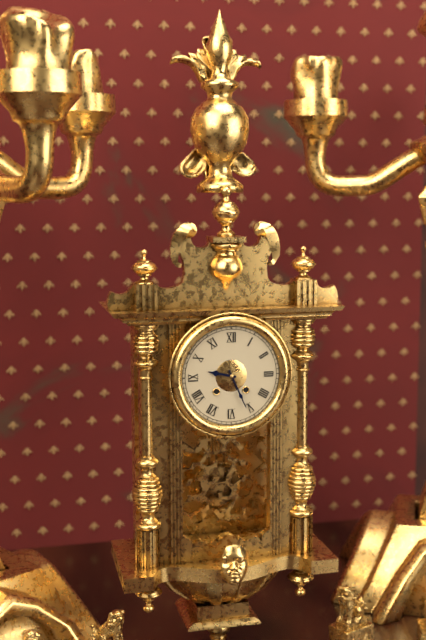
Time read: 9h26
